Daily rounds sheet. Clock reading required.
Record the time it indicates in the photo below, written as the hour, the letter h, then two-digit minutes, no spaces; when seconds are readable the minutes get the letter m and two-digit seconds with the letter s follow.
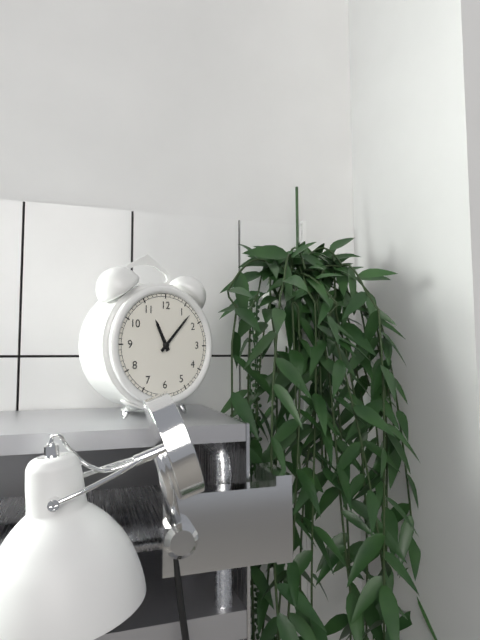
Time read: 11h07
